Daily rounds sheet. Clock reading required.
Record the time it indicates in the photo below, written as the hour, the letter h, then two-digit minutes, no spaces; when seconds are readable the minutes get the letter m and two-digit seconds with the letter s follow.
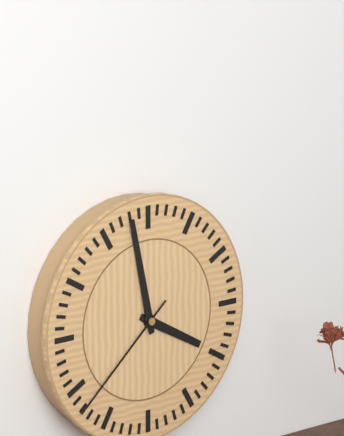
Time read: 3h58m38s
